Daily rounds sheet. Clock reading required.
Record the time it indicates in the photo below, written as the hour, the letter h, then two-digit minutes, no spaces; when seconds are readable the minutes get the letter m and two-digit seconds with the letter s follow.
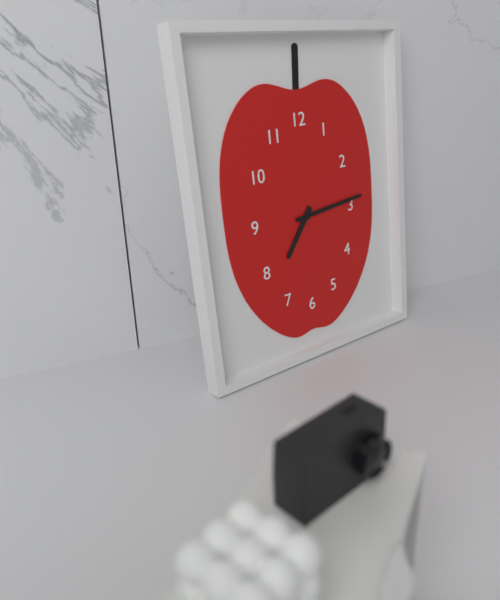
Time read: 7h14
